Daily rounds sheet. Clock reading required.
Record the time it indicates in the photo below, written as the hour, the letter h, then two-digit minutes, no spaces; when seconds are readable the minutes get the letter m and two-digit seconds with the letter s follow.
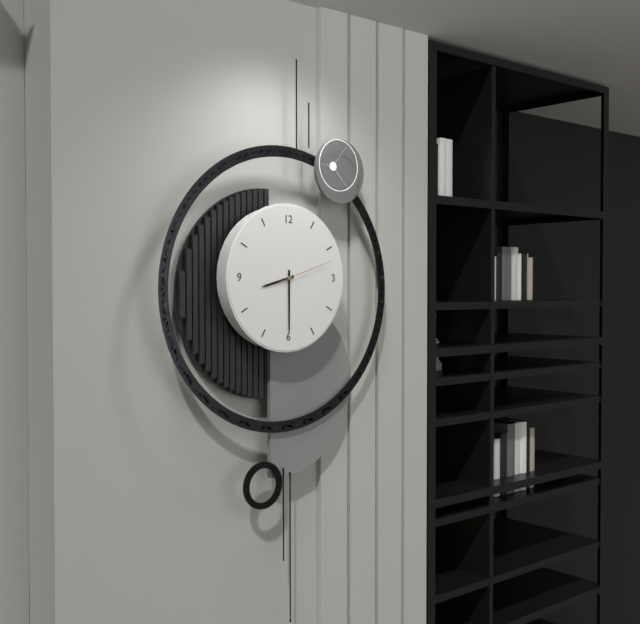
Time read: 8h30m12s
